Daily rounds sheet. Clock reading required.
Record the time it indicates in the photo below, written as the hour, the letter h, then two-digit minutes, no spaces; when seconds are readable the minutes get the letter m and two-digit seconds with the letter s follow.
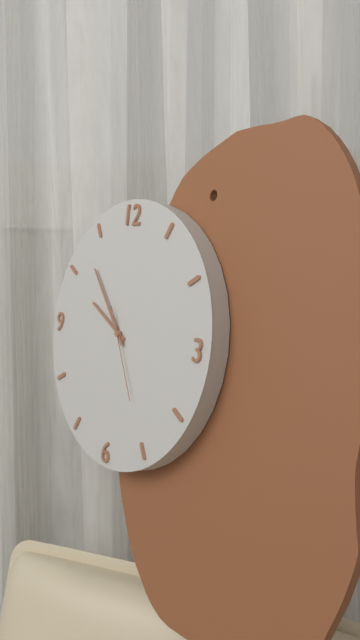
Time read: 9h53m25s
